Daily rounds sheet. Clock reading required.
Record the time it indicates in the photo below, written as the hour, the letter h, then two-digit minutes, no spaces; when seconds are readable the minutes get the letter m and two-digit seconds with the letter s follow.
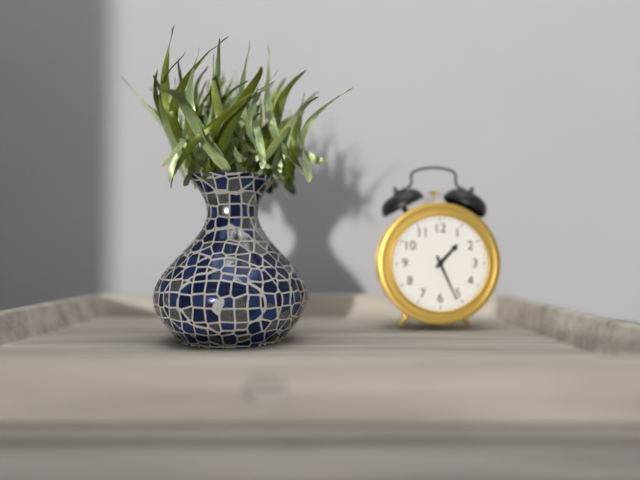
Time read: 1h26
